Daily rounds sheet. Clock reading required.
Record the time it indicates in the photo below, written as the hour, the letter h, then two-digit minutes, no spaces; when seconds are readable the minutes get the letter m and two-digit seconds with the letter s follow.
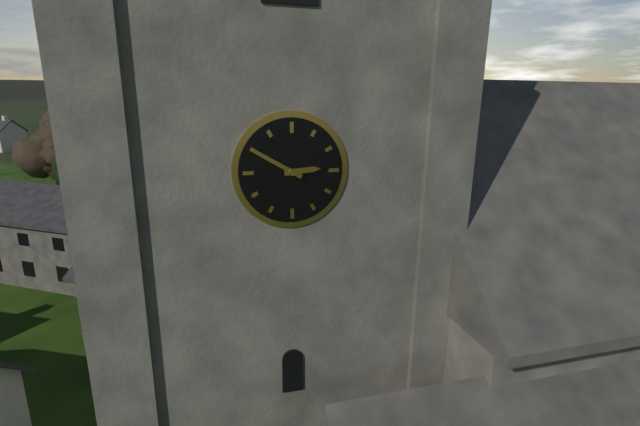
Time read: 2h50
